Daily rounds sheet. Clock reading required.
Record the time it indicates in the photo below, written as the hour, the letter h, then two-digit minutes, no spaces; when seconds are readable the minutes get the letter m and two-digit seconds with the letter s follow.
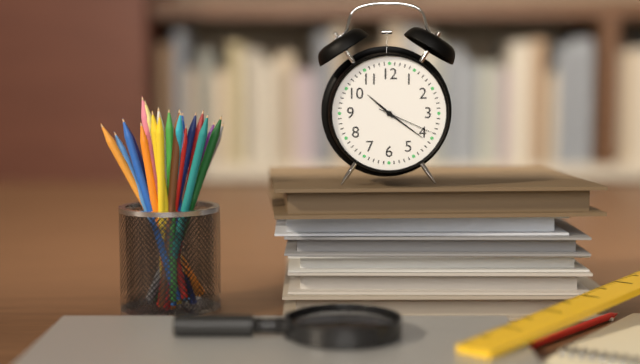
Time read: 10h21m19s
